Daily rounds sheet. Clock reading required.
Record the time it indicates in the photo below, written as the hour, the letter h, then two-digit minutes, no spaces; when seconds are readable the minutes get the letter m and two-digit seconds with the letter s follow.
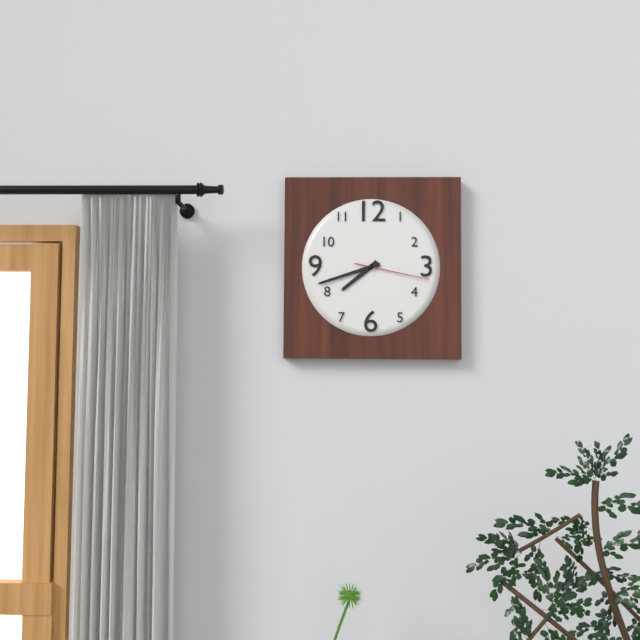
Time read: 7h42m17s
